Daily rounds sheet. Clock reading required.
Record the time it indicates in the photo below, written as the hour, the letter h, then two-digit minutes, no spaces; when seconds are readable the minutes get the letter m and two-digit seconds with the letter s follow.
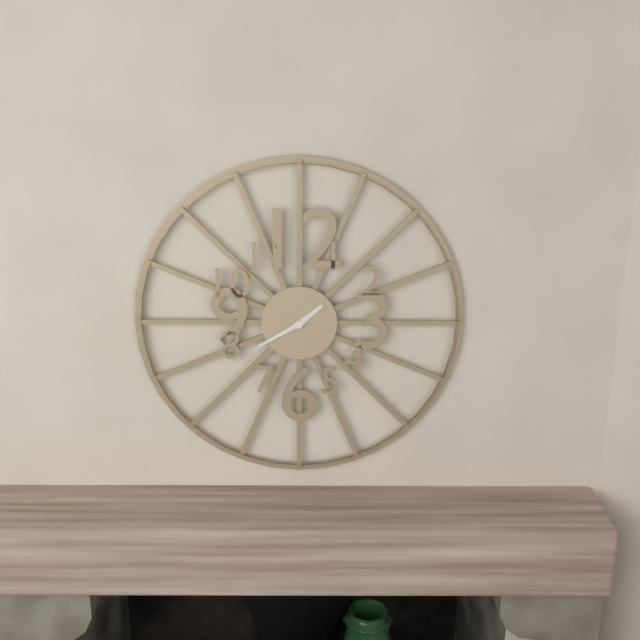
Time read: 1h40
